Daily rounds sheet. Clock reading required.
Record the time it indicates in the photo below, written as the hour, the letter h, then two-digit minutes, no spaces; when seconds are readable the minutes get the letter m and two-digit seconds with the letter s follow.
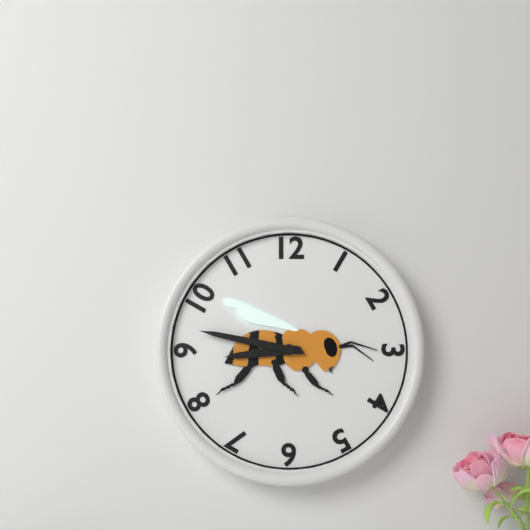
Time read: 8h47
